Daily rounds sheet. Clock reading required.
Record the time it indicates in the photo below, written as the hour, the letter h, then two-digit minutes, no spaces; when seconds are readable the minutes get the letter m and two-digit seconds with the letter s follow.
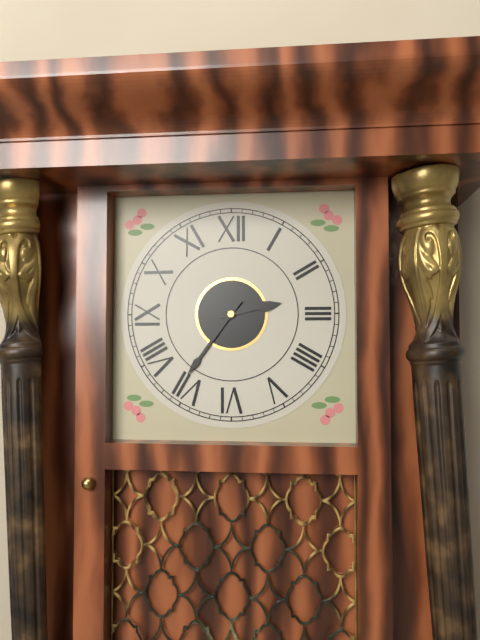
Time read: 2h36
